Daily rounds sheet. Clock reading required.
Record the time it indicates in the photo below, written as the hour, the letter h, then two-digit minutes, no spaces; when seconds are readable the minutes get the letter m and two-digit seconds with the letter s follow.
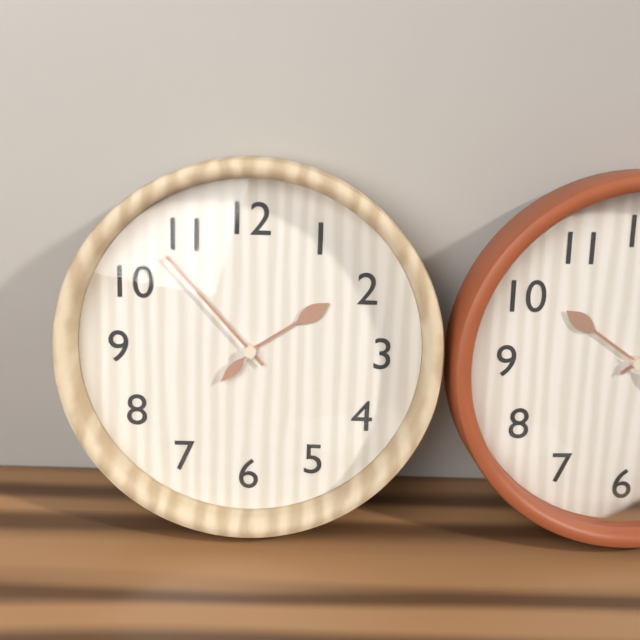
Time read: 1h53m37s
